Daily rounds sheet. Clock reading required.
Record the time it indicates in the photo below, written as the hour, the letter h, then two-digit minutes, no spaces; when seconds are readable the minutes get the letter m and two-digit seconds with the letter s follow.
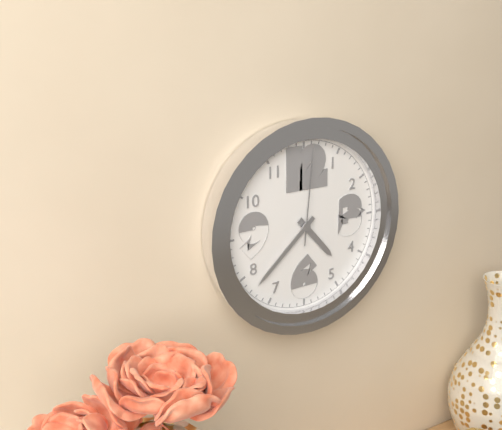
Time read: 4h38m01s
